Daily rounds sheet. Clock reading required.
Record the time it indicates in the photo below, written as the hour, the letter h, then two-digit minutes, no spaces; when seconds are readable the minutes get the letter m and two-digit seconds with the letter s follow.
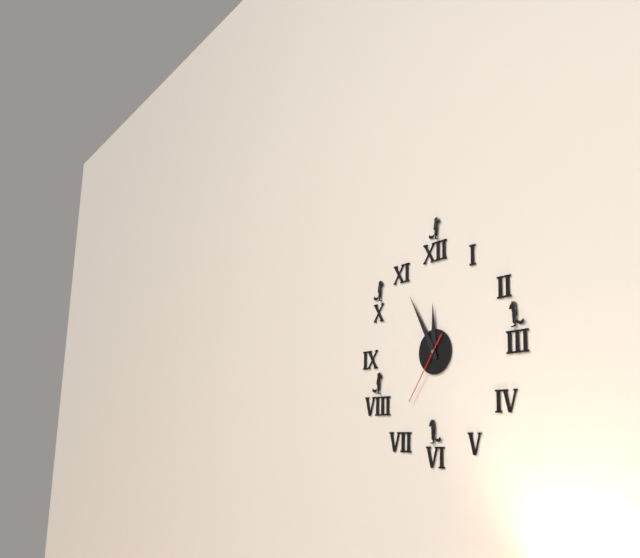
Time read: 11h55m36s
